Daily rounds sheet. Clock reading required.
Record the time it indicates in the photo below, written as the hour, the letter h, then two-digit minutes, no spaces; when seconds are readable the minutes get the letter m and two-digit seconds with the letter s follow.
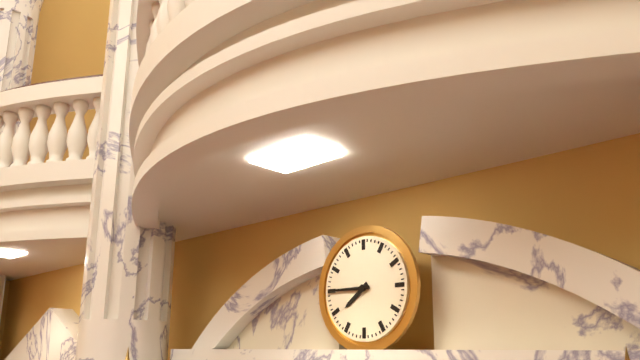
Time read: 7h45
